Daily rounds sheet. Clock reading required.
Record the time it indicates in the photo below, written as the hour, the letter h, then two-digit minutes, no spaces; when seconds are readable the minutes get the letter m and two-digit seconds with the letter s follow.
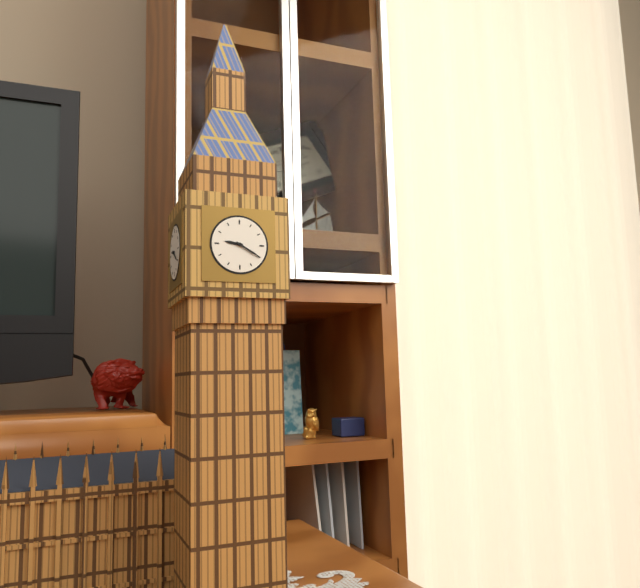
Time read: 9h20
